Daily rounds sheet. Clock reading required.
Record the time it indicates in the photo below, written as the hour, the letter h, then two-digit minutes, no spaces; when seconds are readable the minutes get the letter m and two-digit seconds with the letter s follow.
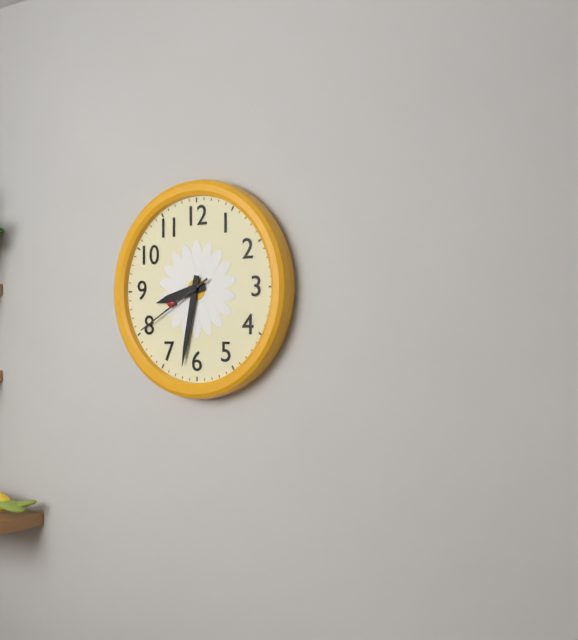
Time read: 8h32m40s
